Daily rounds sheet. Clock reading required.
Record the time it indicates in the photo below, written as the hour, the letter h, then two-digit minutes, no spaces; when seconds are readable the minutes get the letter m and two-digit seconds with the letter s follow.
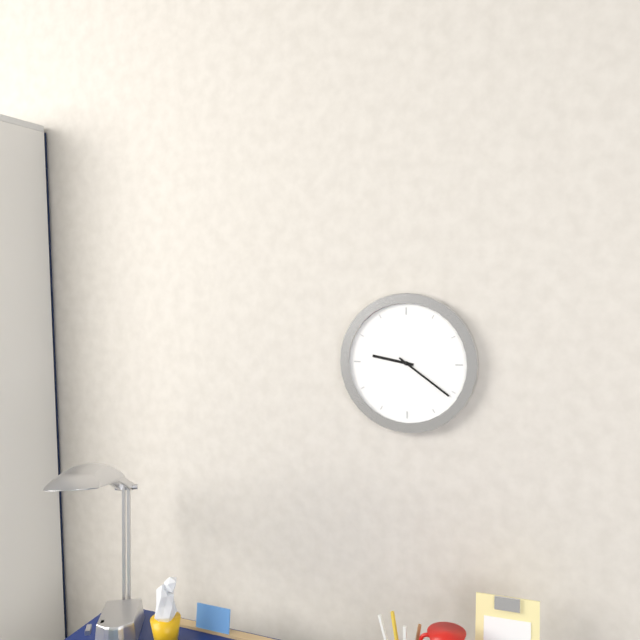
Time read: 9h21
